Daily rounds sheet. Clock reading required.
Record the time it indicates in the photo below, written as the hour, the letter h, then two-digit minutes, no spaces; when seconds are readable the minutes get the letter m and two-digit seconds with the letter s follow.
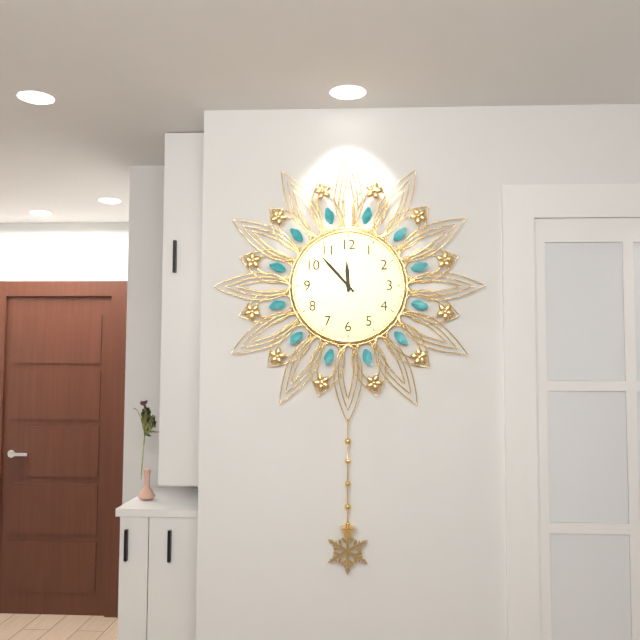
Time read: 11h53
